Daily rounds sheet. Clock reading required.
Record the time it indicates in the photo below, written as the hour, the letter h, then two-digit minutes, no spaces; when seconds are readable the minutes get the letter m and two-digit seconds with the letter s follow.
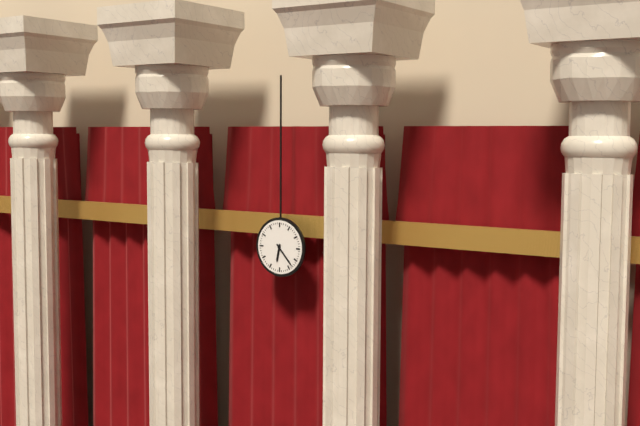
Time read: 6h23
